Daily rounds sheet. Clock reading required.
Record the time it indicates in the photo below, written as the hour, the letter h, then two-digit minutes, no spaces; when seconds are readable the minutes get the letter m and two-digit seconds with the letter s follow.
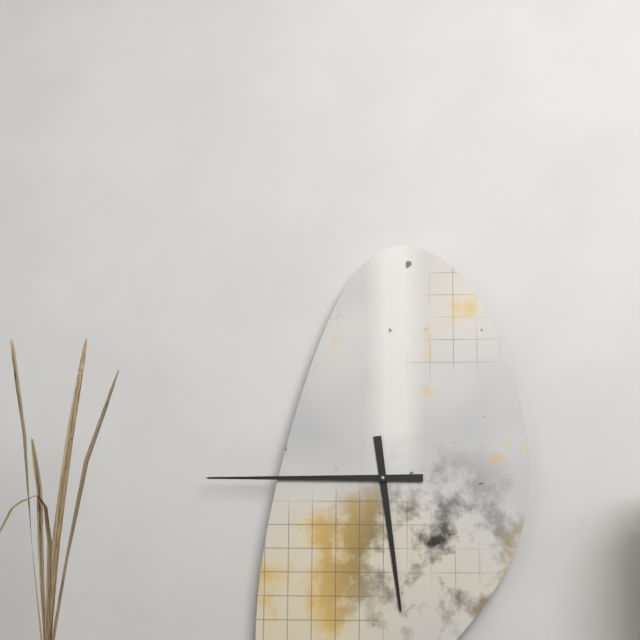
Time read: 5h45
